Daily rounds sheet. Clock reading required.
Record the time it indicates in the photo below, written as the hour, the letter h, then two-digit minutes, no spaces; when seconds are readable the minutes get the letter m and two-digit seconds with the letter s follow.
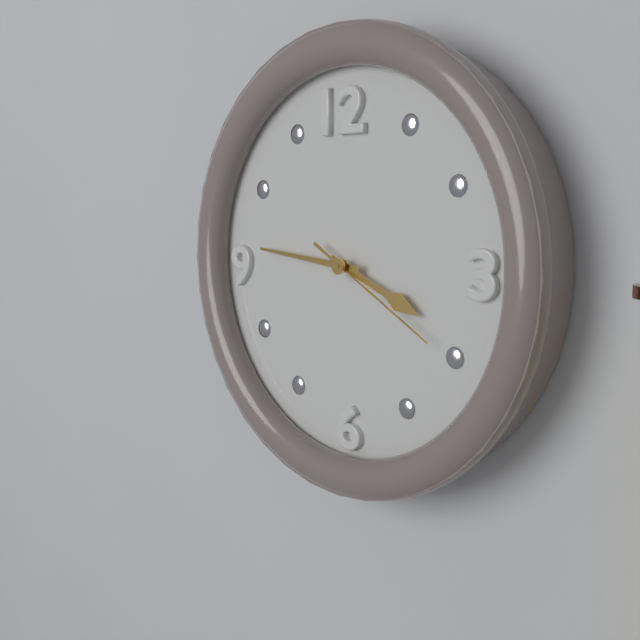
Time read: 3h46m20s
